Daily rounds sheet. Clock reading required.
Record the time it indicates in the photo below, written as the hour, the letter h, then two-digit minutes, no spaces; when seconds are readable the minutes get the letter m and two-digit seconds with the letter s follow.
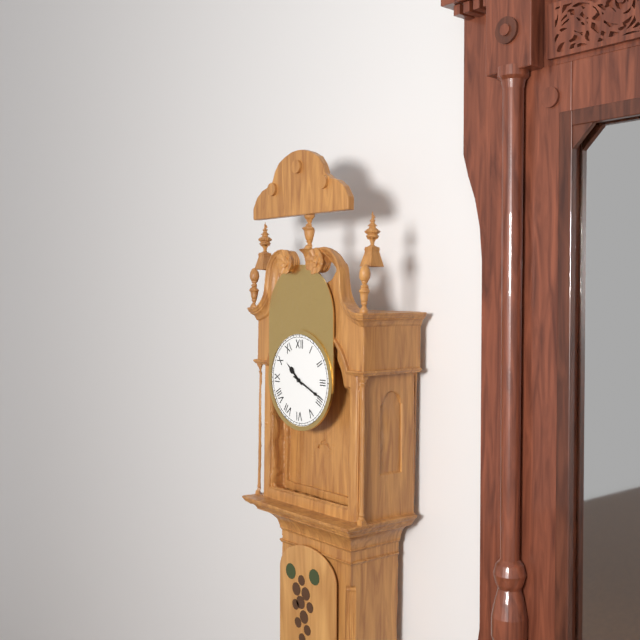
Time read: 10h19
